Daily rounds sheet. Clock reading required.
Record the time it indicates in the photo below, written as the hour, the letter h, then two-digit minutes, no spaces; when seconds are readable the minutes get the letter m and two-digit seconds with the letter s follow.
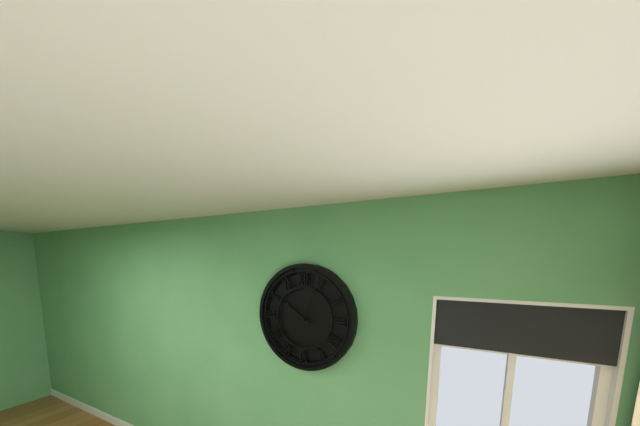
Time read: 10h04
